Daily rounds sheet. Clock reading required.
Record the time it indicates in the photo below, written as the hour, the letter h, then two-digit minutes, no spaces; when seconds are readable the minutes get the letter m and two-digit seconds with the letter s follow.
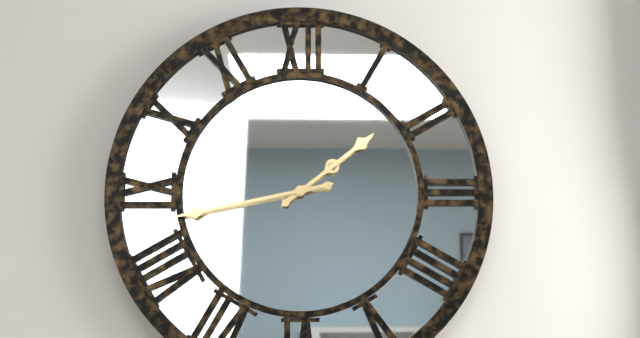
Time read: 1h43
